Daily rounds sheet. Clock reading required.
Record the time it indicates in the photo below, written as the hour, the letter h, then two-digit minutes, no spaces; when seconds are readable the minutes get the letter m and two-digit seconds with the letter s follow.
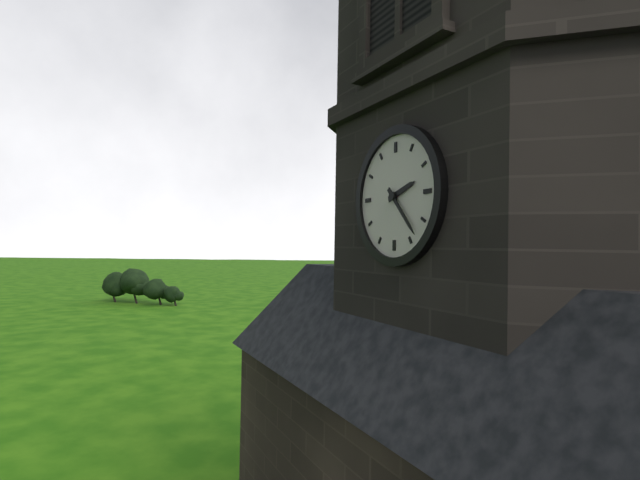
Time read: 2h23
